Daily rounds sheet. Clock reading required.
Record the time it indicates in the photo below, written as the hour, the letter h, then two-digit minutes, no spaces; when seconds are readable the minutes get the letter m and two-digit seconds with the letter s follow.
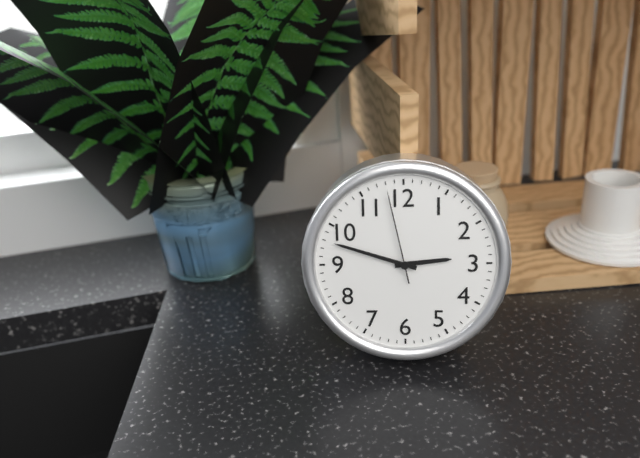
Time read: 2h48m58s
